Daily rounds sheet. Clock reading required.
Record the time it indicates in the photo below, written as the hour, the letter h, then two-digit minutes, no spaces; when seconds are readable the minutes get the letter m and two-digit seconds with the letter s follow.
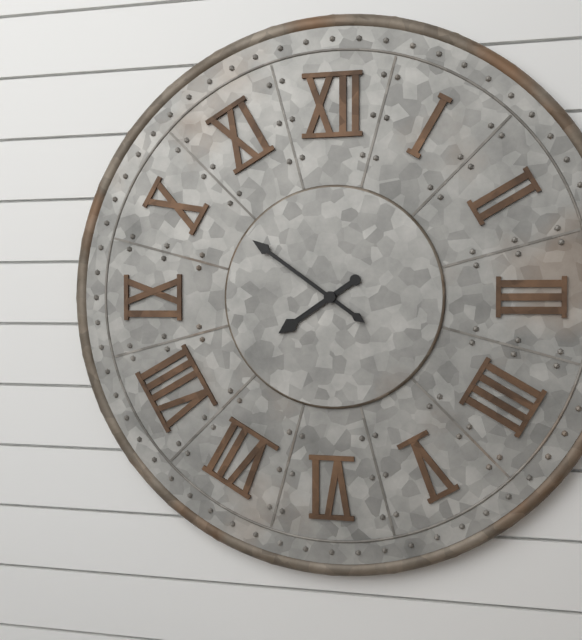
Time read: 7h51
